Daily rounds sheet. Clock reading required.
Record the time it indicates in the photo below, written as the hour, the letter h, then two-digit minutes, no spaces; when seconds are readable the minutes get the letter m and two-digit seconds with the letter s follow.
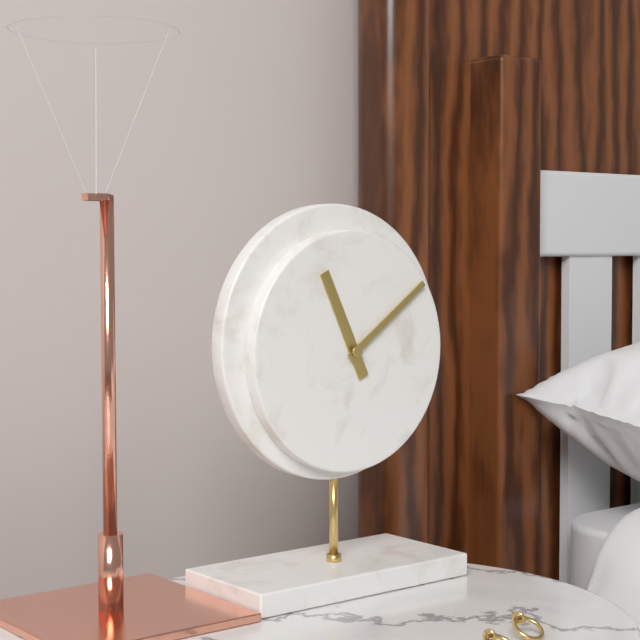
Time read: 11h09
